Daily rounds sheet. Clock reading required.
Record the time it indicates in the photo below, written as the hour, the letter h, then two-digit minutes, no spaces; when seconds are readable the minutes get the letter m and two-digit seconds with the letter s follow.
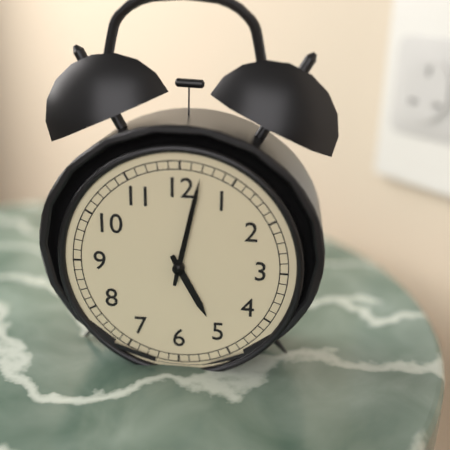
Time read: 5h02
